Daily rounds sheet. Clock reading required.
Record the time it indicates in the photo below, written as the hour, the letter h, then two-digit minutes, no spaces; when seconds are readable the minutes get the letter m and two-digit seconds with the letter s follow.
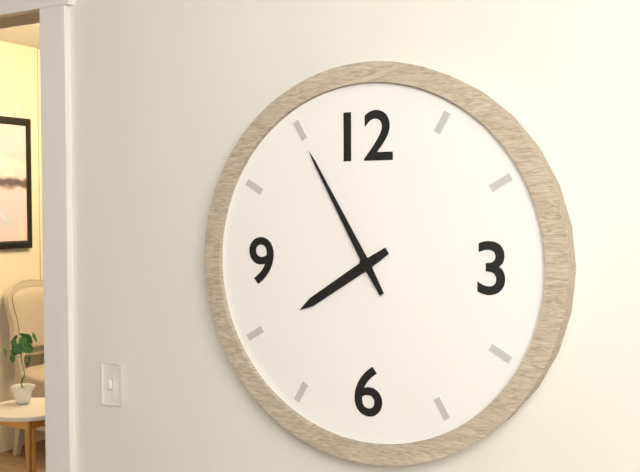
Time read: 7h55
